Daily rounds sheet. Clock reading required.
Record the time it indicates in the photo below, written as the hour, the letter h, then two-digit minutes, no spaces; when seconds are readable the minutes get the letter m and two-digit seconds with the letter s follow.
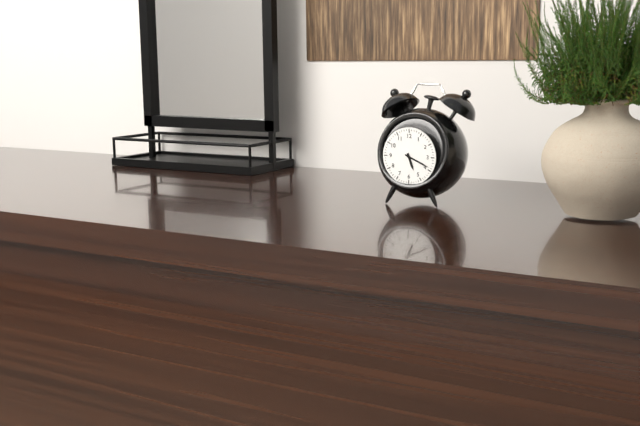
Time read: 5h19
